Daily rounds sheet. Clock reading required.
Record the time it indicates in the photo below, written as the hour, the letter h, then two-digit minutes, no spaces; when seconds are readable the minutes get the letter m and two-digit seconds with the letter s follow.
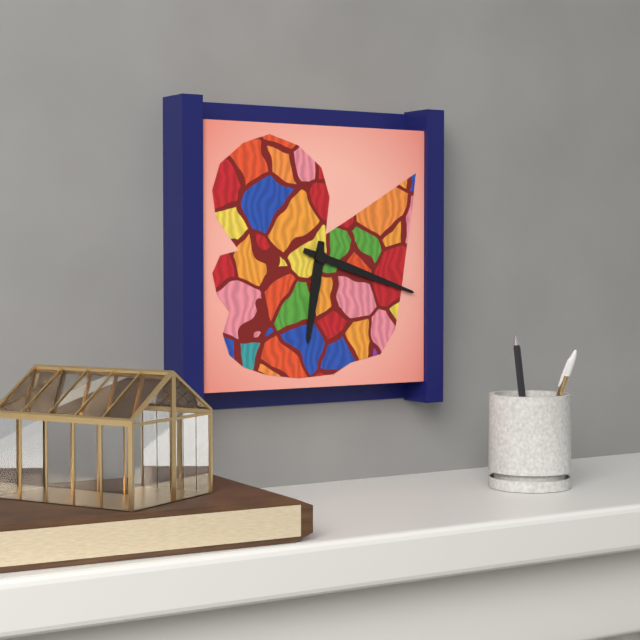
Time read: 6h18
